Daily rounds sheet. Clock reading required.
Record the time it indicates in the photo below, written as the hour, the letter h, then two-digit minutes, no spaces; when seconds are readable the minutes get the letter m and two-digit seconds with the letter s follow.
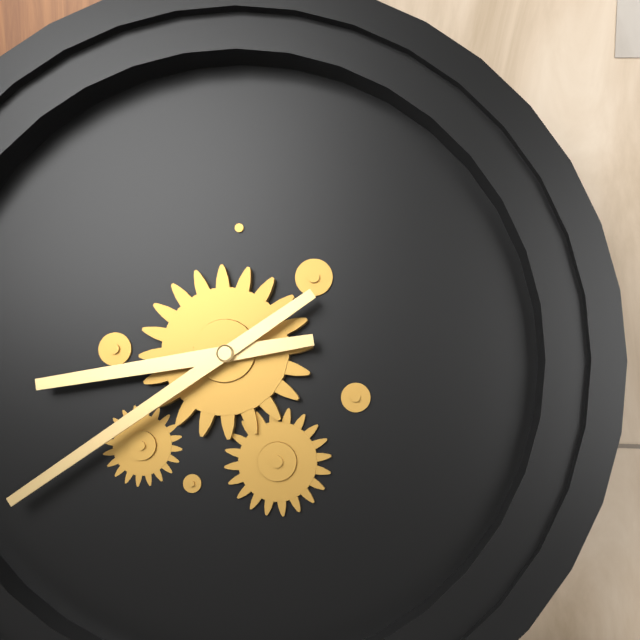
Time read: 8h39
